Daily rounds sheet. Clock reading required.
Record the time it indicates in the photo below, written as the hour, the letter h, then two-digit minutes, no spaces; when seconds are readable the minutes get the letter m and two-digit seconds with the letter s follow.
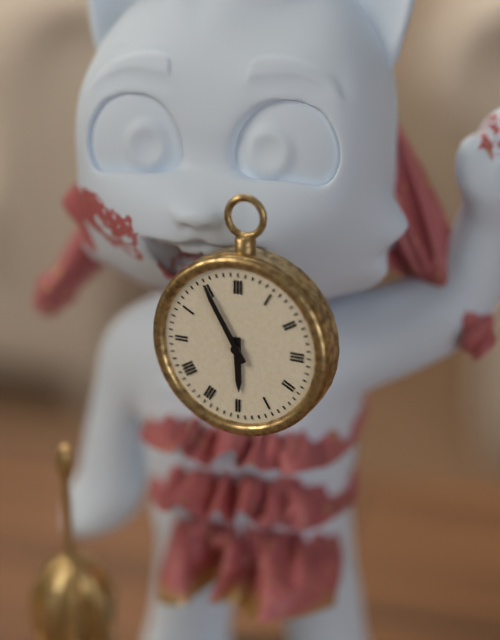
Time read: 5h55
